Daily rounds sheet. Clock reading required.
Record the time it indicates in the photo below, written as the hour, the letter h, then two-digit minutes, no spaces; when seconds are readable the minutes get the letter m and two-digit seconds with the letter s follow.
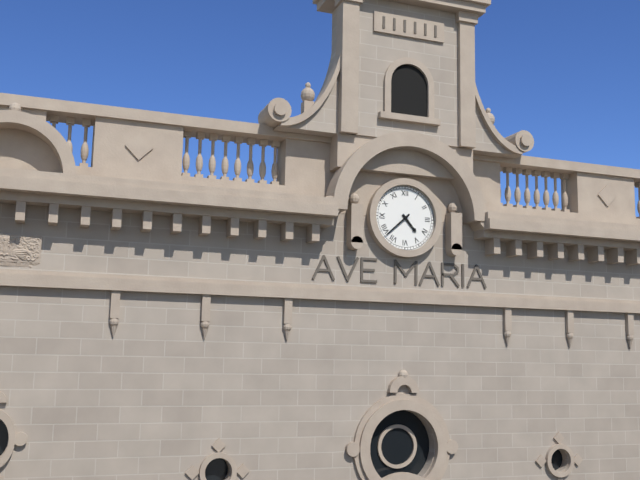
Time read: 4h38
